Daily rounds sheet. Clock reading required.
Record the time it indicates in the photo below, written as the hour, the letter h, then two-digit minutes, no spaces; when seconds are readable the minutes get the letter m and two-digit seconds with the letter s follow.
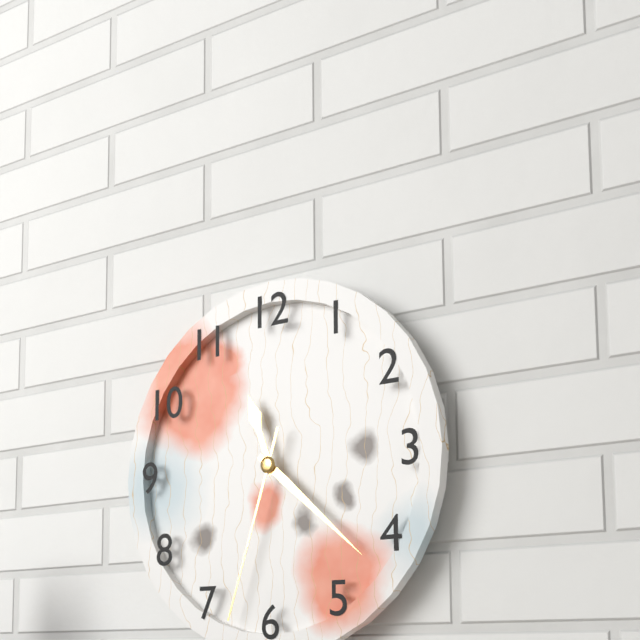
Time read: 11h22m33s
